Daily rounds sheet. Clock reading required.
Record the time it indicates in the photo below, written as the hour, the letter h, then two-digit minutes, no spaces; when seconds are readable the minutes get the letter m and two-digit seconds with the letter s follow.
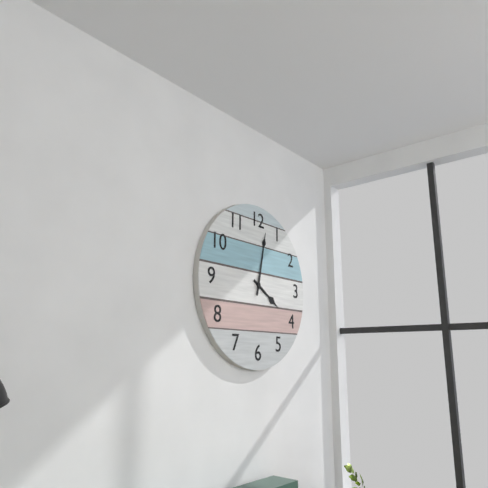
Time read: 4h02
